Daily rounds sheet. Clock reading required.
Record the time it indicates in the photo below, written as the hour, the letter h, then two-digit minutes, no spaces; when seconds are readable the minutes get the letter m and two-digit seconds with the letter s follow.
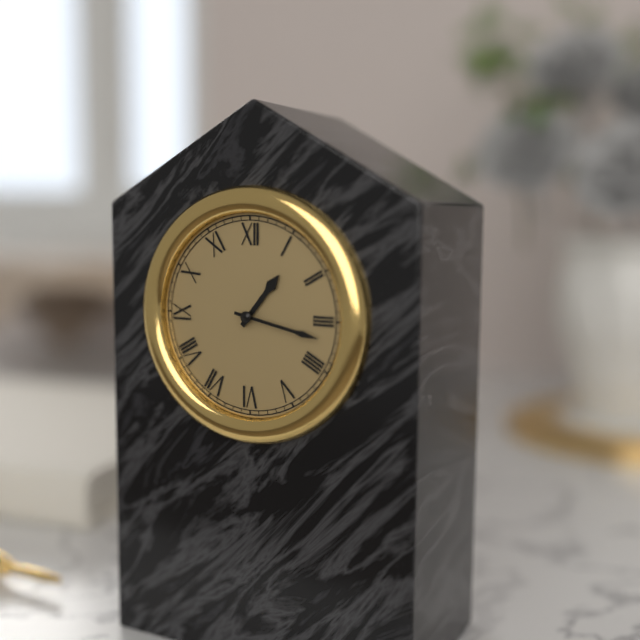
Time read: 1h17
